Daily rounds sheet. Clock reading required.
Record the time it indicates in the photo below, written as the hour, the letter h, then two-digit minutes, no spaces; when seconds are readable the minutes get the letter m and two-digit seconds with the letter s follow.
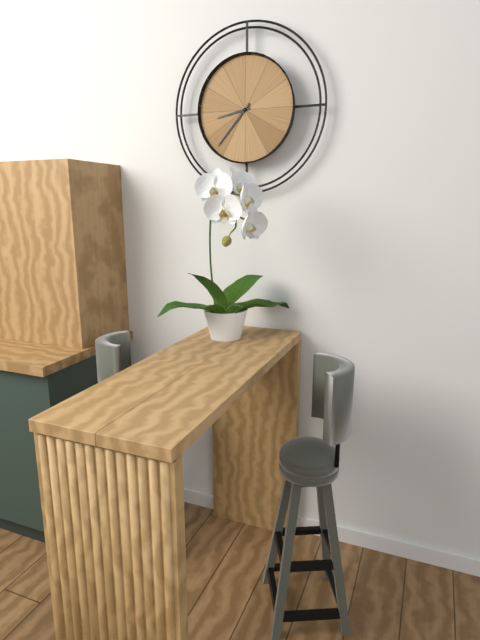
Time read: 8h37
